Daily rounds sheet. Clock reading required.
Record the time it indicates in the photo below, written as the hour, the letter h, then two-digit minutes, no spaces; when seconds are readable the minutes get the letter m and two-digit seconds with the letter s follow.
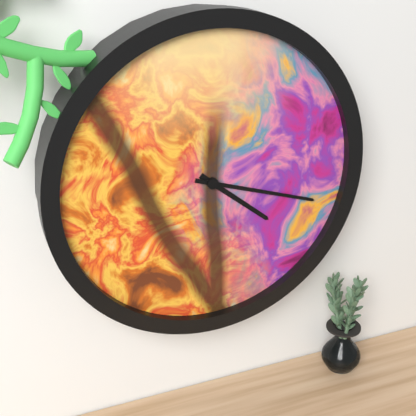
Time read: 4h18
